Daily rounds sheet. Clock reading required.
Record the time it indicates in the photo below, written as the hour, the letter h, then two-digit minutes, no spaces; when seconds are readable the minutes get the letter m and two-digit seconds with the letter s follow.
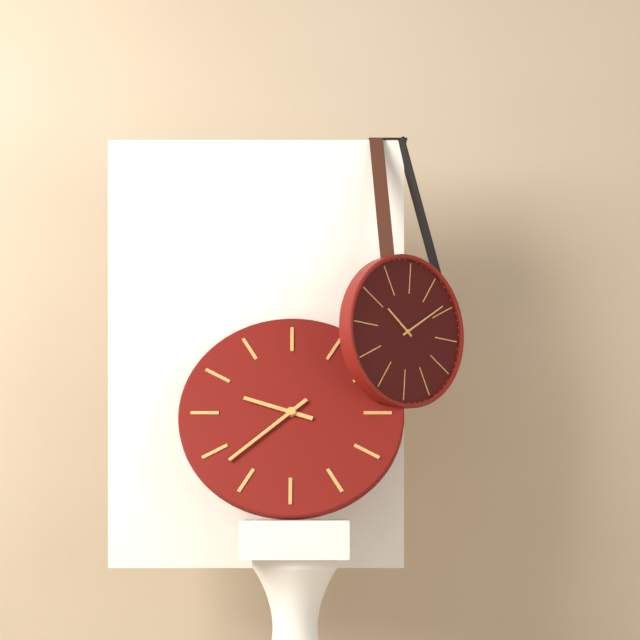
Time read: 9h38
